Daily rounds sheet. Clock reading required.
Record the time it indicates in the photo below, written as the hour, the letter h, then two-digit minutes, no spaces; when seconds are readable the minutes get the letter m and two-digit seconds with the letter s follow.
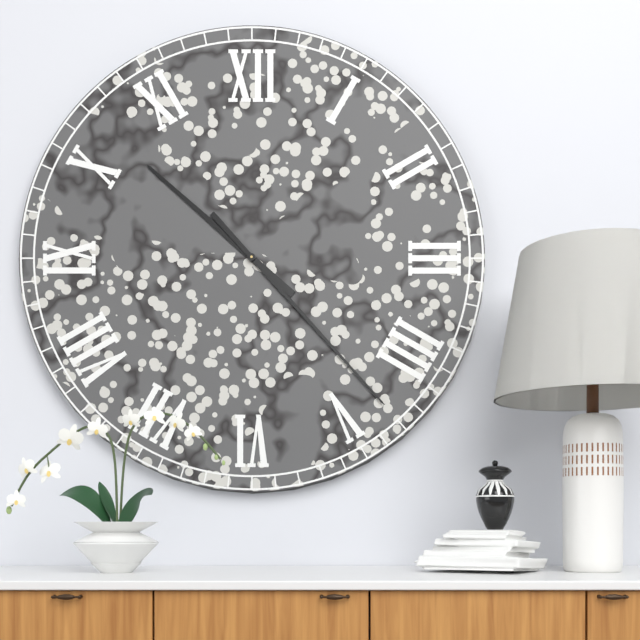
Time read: 10h23
